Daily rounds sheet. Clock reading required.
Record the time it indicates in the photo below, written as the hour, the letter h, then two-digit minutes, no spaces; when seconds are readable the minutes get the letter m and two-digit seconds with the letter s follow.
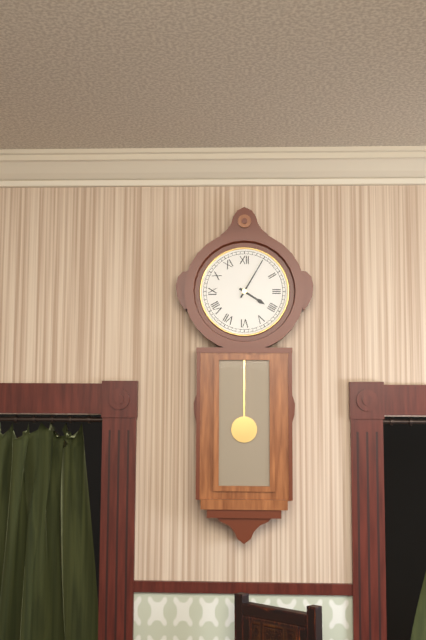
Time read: 4h05
